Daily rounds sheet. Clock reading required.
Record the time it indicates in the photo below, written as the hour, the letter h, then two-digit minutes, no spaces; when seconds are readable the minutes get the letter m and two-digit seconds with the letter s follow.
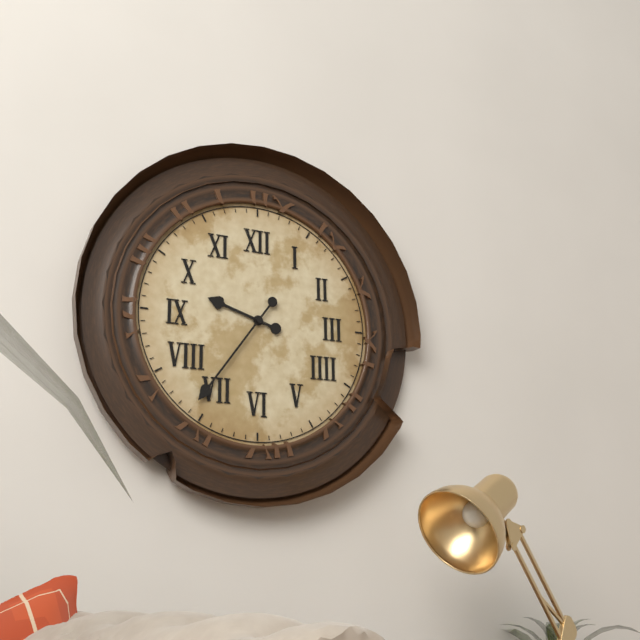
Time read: 9h36
